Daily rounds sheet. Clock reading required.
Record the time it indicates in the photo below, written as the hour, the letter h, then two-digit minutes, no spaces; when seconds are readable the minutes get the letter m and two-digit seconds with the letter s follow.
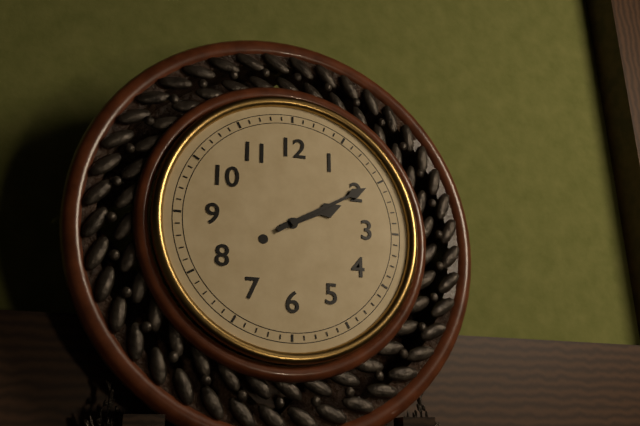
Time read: 2h10
